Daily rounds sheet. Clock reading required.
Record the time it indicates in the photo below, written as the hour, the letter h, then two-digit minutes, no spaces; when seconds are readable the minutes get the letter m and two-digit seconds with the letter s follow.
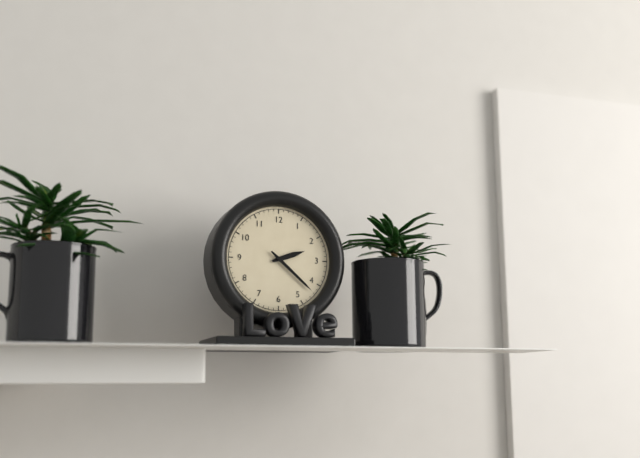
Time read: 2h22
